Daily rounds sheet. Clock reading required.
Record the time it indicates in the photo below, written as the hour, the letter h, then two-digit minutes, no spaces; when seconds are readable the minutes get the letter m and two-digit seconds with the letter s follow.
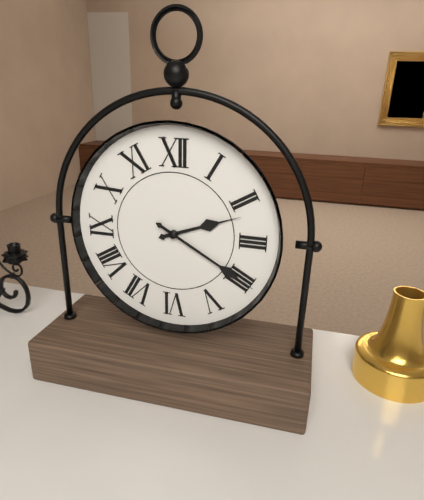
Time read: 2h20
